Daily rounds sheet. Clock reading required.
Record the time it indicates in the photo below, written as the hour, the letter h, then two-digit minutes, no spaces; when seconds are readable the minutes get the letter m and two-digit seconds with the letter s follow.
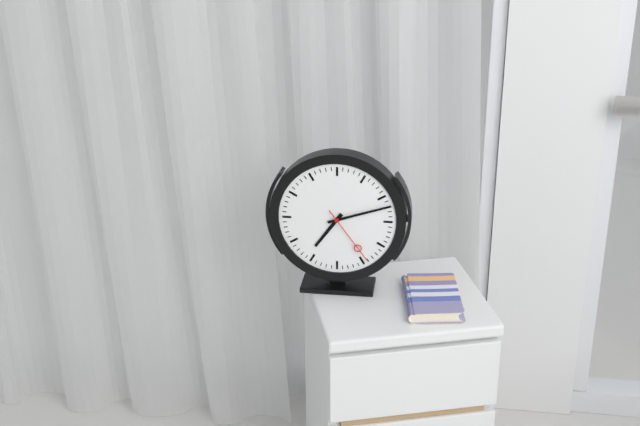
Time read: 7h12m24s
